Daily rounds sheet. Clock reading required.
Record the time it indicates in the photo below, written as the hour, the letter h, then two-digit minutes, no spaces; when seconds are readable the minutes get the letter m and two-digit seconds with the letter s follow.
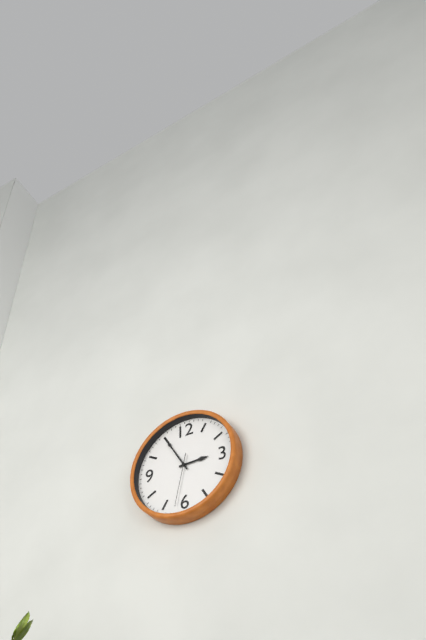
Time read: 2h55m32s
